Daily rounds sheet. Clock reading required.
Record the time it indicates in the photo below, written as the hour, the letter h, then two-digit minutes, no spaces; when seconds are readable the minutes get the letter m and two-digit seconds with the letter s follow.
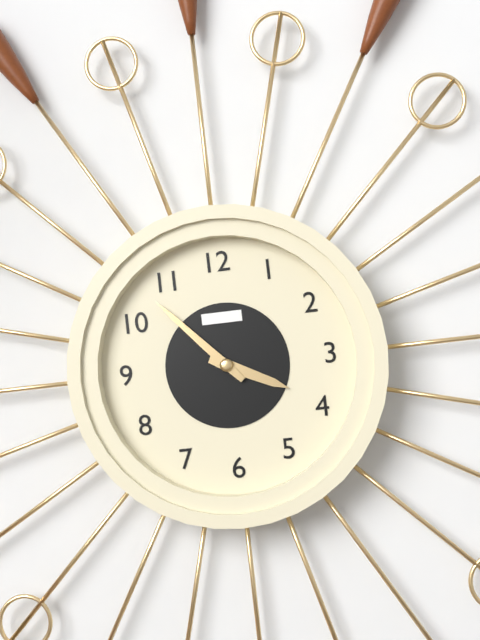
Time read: 3h53
